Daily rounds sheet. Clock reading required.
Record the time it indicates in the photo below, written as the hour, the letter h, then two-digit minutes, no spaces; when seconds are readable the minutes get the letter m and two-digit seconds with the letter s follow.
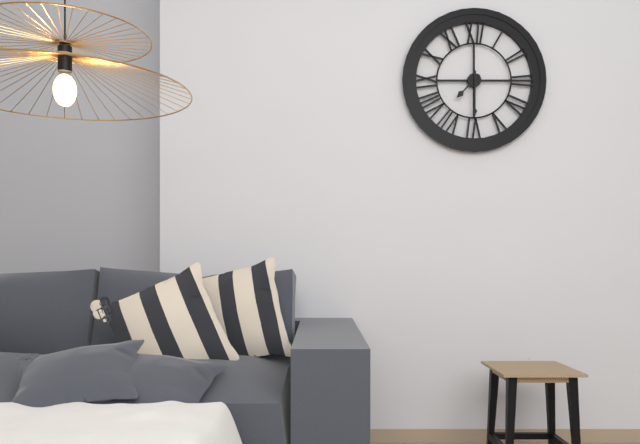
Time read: 7h30
